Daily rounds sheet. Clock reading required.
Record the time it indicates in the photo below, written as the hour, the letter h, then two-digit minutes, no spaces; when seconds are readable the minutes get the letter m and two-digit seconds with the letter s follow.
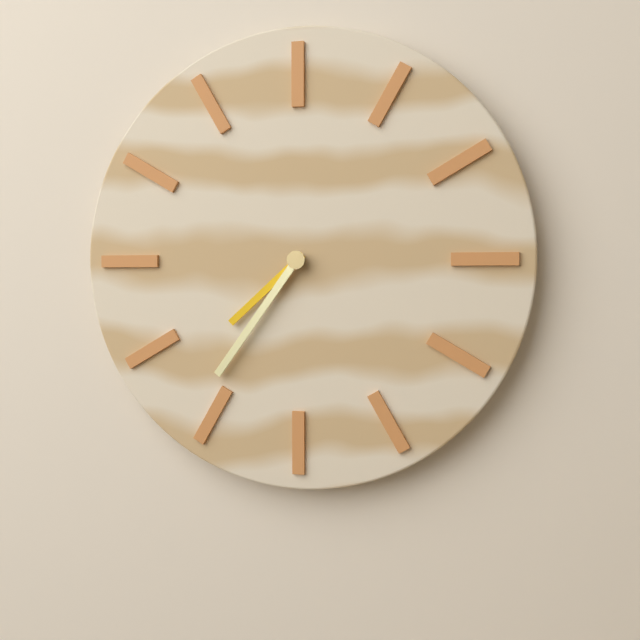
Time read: 7h36
